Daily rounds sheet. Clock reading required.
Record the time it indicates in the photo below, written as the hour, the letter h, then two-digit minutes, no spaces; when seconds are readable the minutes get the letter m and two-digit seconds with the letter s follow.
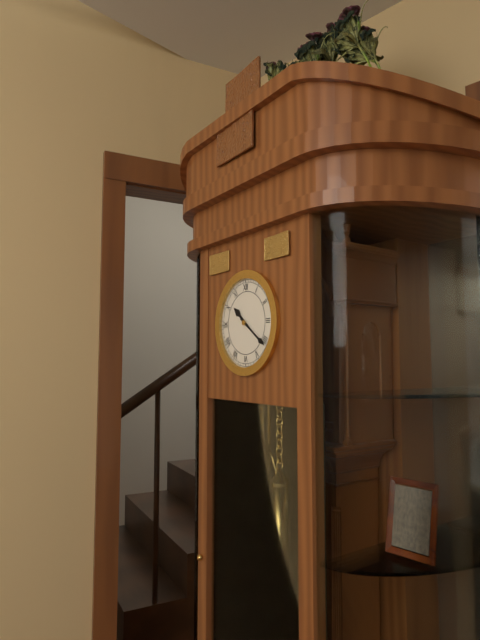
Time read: 10h21
